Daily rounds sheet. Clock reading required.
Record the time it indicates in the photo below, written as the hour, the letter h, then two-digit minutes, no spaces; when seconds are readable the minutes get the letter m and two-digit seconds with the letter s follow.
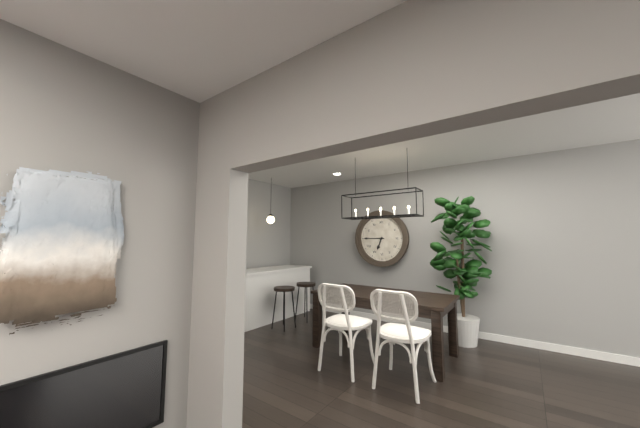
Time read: 6h45
